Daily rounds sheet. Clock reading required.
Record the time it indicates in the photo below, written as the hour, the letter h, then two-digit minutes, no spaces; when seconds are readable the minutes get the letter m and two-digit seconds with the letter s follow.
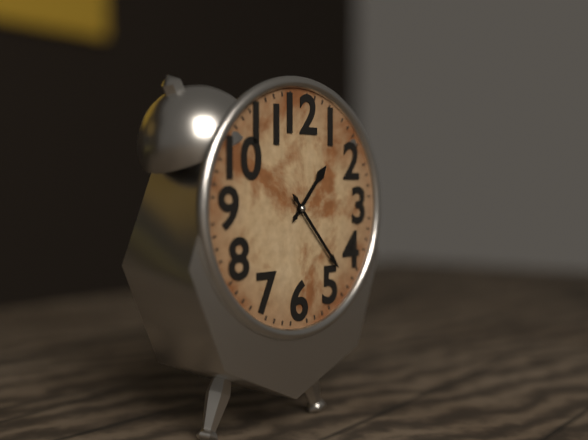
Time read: 1h23
